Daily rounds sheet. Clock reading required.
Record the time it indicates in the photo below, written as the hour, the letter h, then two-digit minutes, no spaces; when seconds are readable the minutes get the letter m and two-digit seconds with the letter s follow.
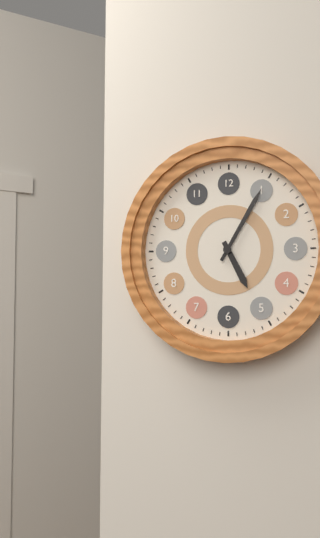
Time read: 5h05
